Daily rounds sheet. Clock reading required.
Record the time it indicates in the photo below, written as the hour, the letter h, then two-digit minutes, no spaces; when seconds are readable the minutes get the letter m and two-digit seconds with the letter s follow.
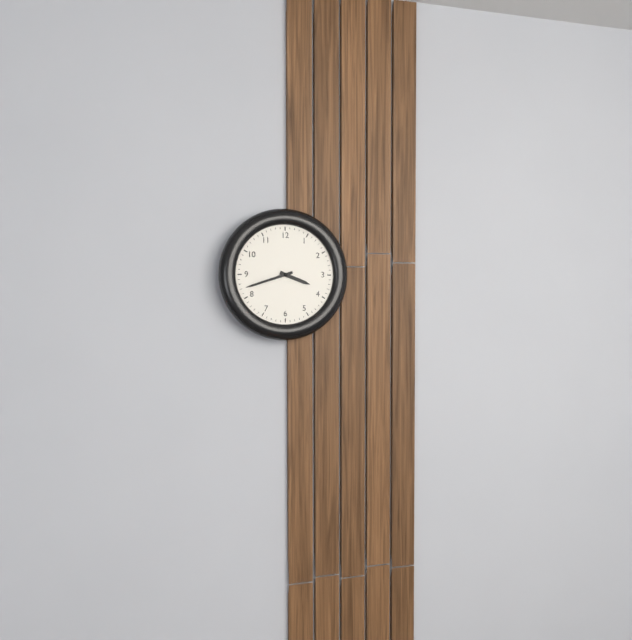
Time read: 3h42
